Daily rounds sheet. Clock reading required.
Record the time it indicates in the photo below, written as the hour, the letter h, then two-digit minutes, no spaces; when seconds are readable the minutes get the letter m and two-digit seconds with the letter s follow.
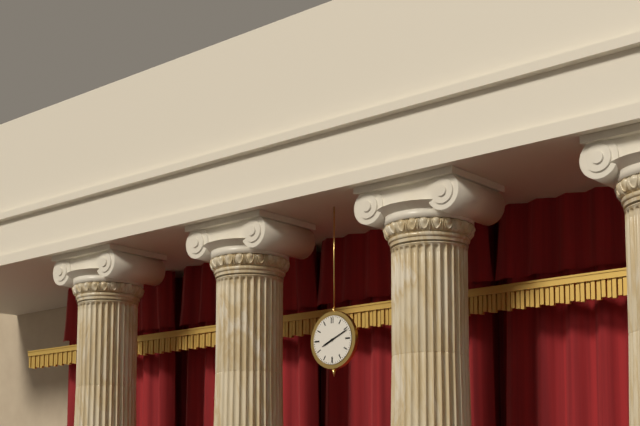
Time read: 8h11
